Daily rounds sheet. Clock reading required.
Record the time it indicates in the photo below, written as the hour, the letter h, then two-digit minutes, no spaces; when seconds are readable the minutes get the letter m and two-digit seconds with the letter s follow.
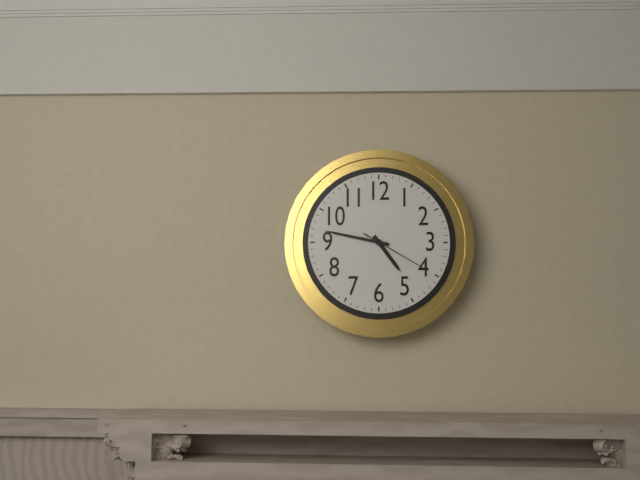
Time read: 4h47m20s
